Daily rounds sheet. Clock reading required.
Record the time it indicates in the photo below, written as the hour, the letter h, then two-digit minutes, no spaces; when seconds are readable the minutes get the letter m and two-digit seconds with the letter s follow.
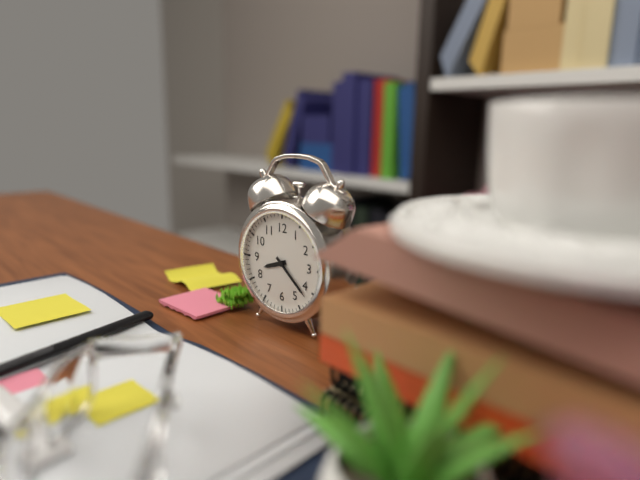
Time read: 8h22
